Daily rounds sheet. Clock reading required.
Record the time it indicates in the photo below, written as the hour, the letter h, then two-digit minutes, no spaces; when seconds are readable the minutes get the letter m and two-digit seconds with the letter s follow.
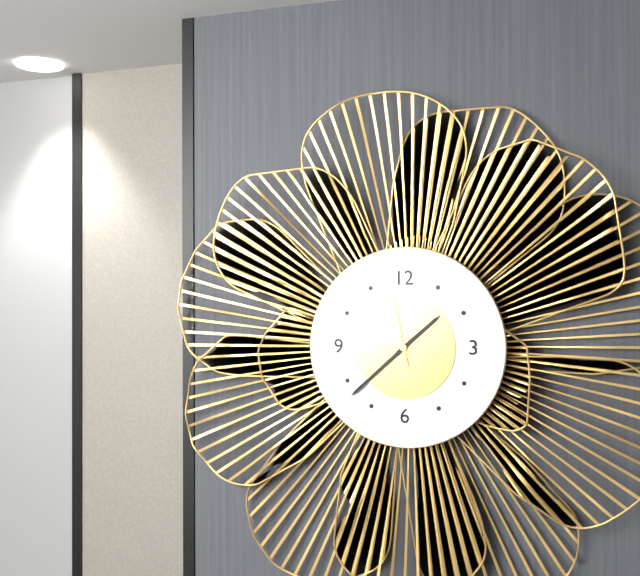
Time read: 1h38m58s
